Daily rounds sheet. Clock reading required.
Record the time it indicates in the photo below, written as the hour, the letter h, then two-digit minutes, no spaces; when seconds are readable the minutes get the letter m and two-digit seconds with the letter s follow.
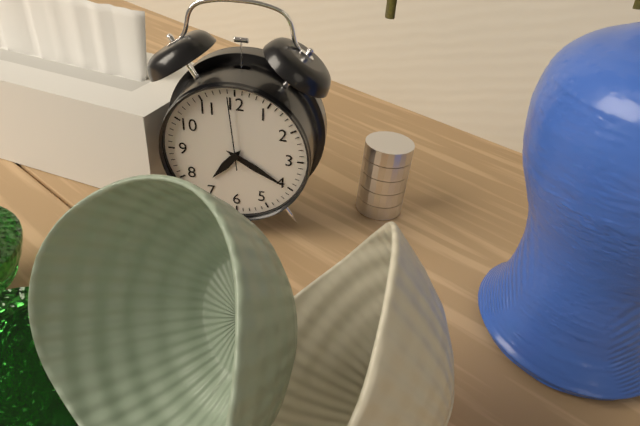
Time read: 7h20m59s
